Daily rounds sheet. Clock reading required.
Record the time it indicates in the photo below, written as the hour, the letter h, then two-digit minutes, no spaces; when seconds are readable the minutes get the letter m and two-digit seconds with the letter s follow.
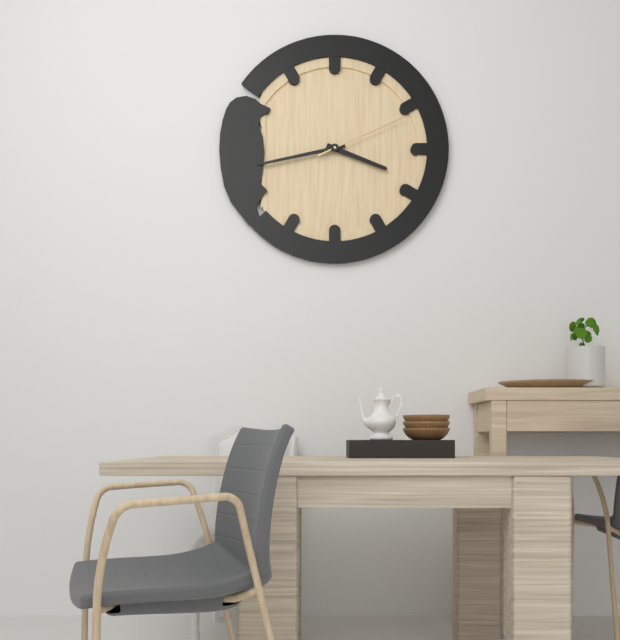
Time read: 3h43m11s
